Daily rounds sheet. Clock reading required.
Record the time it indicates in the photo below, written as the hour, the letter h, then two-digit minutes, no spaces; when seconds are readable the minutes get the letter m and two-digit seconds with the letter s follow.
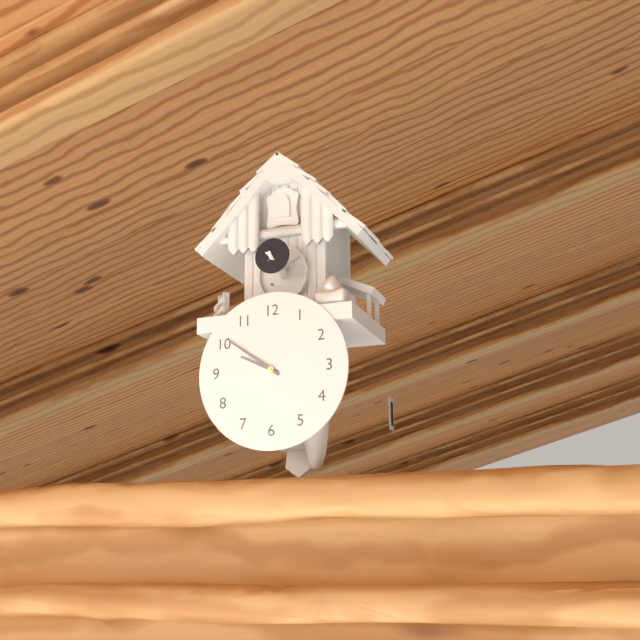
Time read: 9h51
